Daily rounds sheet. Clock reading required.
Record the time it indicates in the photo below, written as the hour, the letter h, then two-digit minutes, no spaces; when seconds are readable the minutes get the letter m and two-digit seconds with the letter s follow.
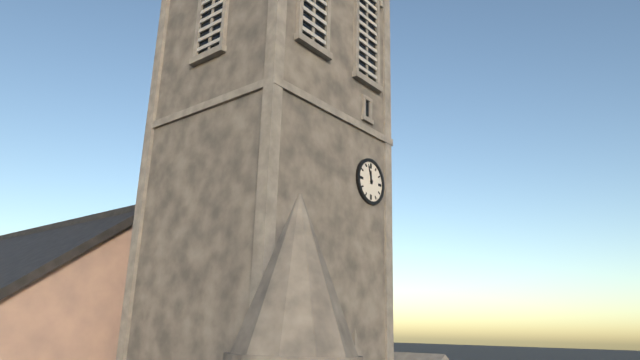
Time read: 11h57
